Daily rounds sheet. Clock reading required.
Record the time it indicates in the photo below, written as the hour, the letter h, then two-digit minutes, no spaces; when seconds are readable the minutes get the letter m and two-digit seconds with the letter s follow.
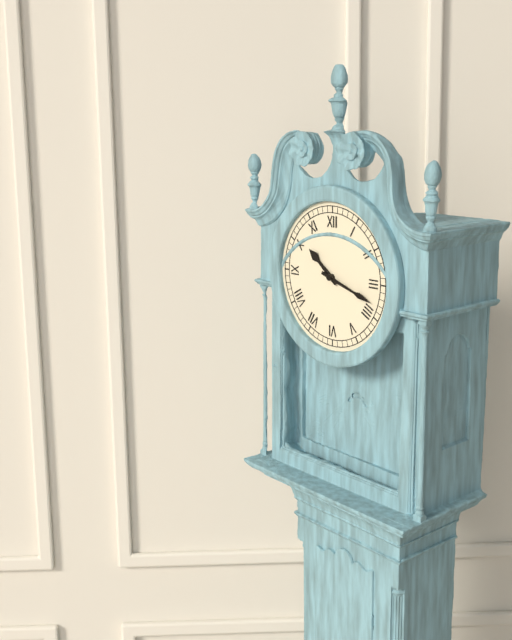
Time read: 10h18
